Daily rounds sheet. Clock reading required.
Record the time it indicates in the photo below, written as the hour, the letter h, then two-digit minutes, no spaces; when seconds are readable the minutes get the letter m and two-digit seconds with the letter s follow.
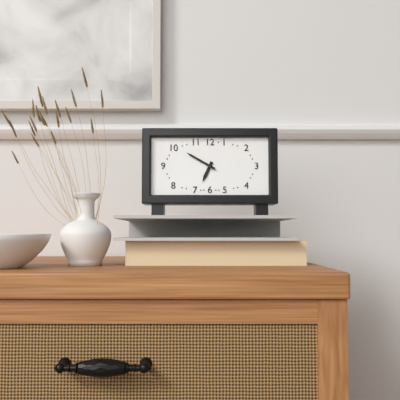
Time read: 6h50
